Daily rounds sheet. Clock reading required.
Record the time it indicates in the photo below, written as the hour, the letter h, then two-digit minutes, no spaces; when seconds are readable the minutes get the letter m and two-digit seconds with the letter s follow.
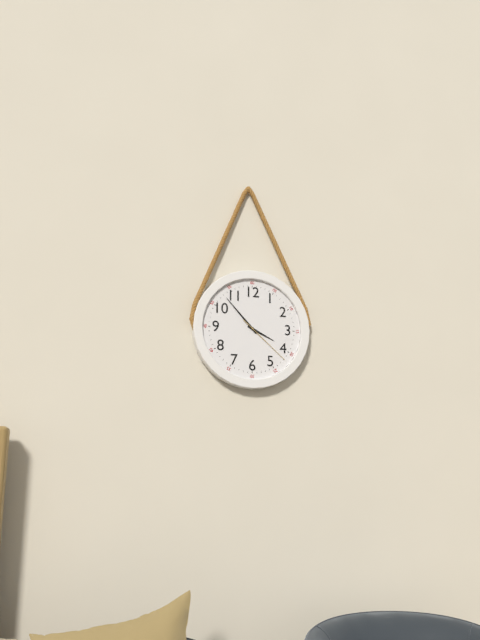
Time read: 3h53m22s
